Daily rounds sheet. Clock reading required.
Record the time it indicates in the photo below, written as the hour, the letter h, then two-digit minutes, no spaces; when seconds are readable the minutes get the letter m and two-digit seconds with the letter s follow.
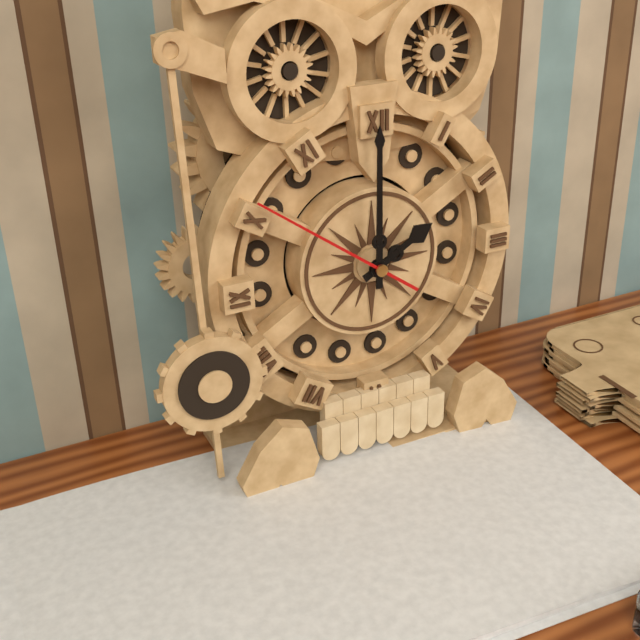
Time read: 2h00m51s
